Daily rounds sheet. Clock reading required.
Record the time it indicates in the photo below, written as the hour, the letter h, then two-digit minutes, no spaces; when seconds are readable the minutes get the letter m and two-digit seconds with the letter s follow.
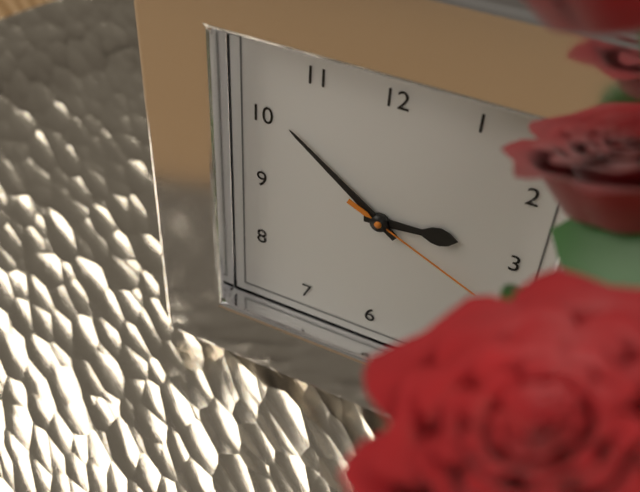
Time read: 2h51m19s
